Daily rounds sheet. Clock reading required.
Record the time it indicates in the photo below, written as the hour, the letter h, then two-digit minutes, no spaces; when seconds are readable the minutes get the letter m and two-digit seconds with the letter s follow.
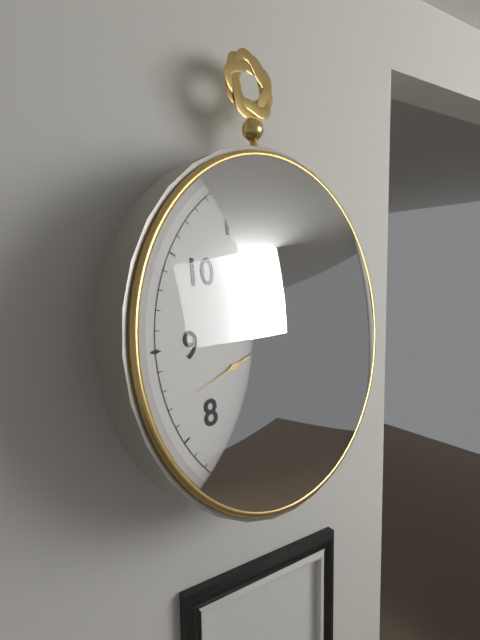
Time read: 11h42
